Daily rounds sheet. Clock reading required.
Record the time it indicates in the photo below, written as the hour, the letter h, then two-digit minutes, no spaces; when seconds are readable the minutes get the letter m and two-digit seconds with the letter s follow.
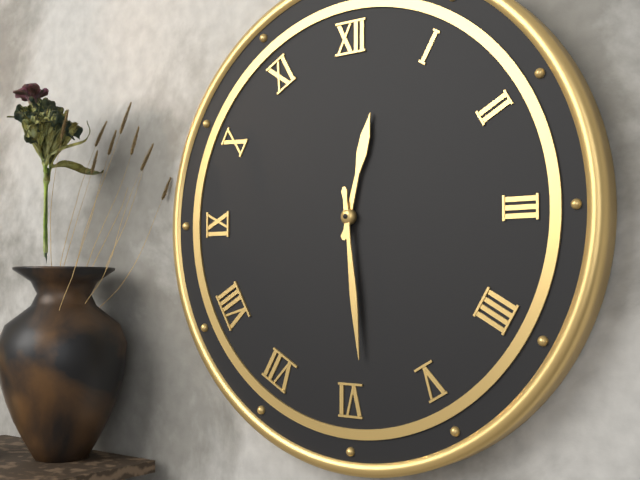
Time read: 12h29
